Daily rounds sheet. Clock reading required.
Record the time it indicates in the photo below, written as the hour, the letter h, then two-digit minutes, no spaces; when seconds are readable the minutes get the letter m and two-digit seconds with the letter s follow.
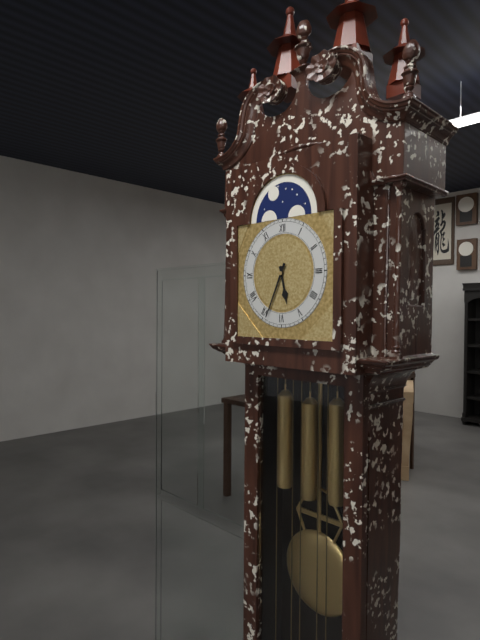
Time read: 5h34
